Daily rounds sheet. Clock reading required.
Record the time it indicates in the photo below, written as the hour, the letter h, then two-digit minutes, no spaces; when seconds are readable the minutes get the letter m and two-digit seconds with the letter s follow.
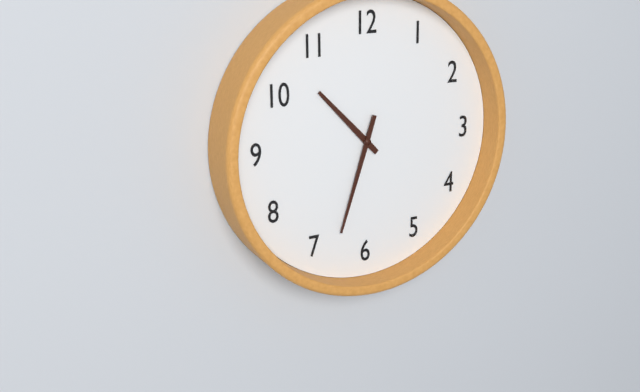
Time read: 10h33
